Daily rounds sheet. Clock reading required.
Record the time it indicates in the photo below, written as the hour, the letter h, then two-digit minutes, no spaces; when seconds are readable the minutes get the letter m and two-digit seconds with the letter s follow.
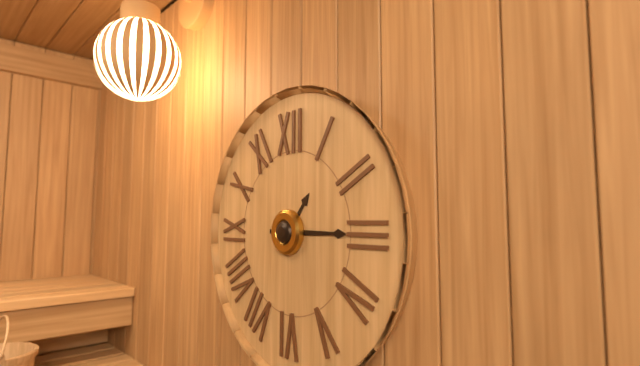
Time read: 1h15
